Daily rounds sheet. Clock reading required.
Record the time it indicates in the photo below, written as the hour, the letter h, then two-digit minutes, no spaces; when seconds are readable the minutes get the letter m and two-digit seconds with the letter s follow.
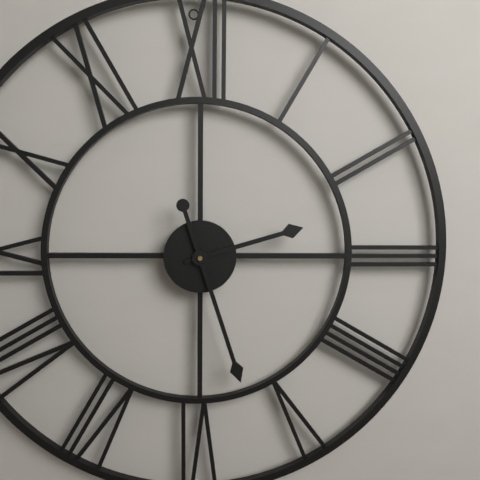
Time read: 2h27
